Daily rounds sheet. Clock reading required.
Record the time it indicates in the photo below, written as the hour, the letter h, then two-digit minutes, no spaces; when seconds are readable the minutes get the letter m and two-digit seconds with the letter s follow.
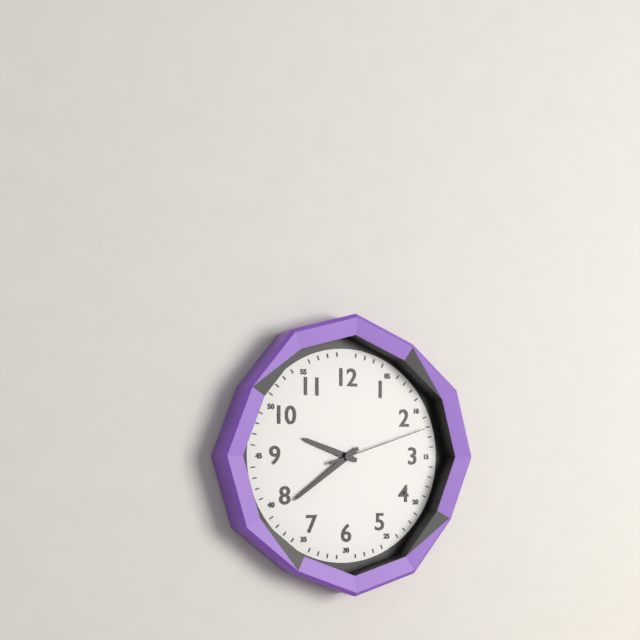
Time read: 9h39m12s
